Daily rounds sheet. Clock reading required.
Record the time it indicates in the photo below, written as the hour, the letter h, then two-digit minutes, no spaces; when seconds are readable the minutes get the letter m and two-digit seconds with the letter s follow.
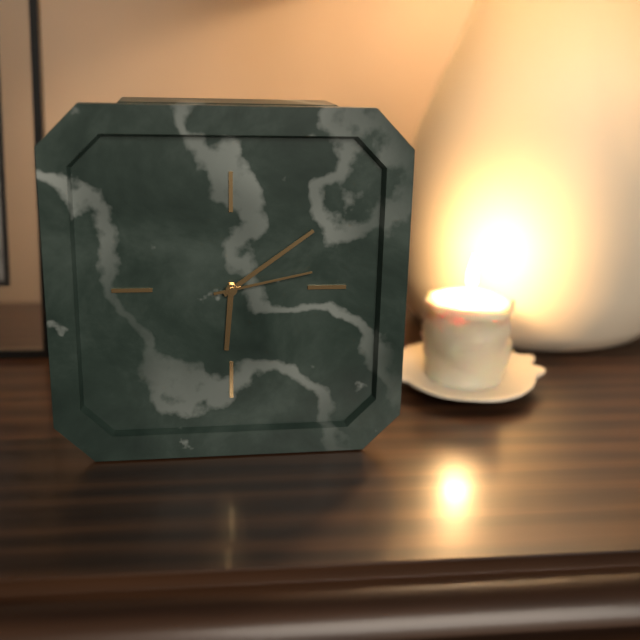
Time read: 6h09m13s
